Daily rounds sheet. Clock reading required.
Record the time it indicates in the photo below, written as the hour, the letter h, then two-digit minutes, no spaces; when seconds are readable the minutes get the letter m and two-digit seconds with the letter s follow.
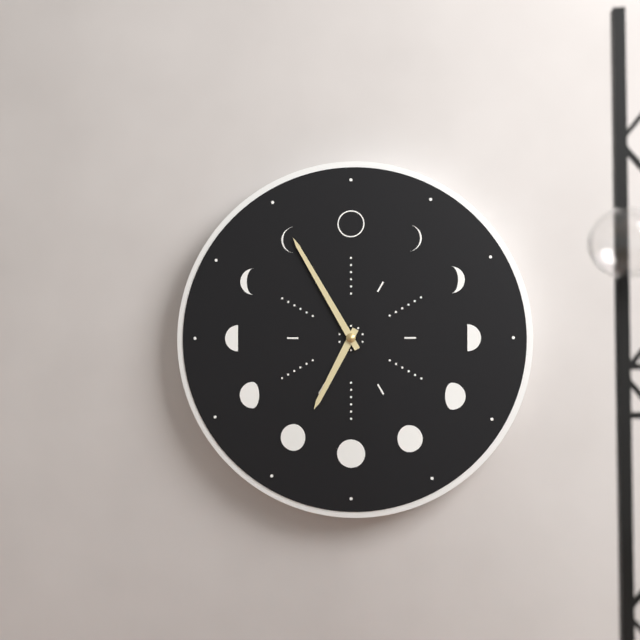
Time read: 6h55
